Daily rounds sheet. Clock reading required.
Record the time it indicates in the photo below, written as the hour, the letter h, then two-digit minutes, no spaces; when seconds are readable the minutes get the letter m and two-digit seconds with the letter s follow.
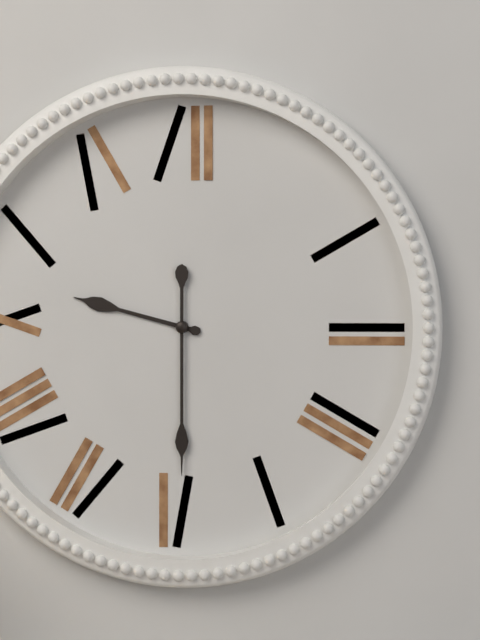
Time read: 9h30
